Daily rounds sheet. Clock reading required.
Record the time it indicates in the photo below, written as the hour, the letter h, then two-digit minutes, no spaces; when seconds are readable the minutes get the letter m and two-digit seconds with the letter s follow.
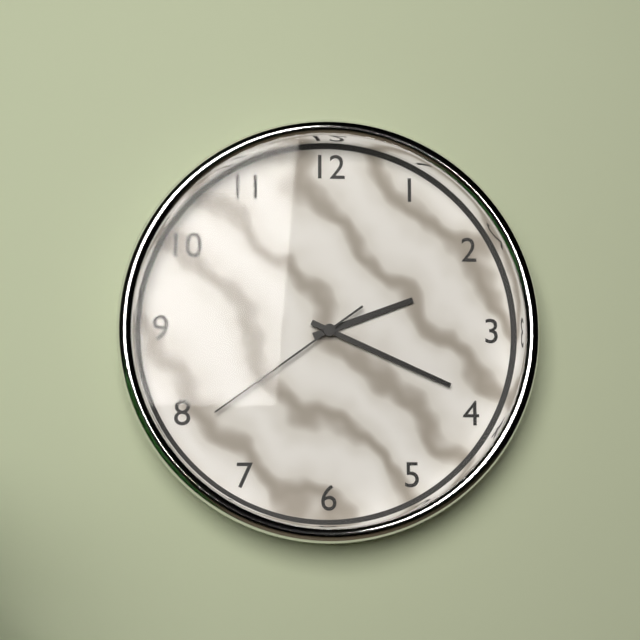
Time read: 2h19m39s
